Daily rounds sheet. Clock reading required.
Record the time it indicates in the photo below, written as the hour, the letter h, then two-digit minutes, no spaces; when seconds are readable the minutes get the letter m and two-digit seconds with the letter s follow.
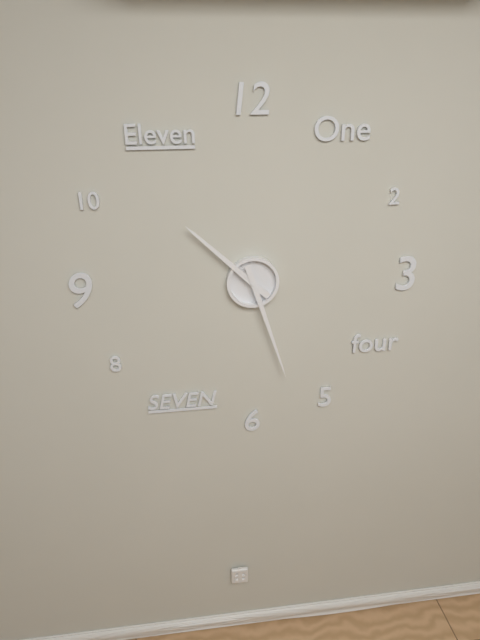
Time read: 10h27
